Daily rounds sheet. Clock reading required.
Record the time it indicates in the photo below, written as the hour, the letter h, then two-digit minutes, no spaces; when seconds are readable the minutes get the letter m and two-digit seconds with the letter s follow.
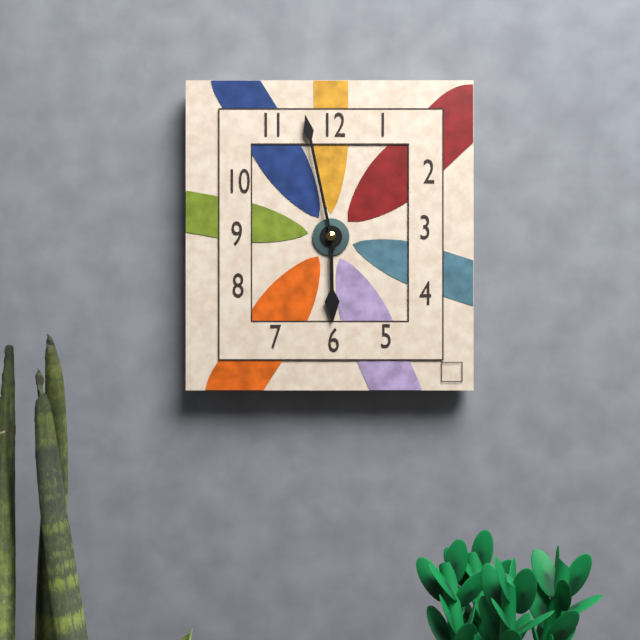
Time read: 5h58
